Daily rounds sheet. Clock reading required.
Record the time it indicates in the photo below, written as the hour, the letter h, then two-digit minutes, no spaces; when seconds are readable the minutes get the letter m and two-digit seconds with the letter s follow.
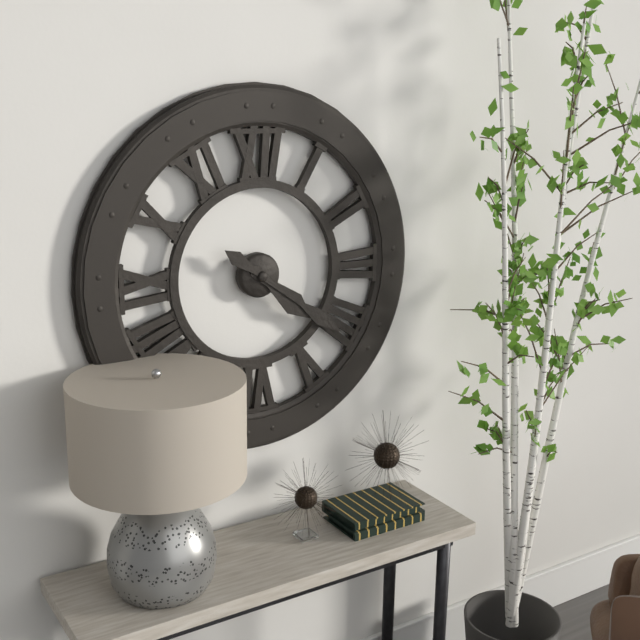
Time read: 4h21
